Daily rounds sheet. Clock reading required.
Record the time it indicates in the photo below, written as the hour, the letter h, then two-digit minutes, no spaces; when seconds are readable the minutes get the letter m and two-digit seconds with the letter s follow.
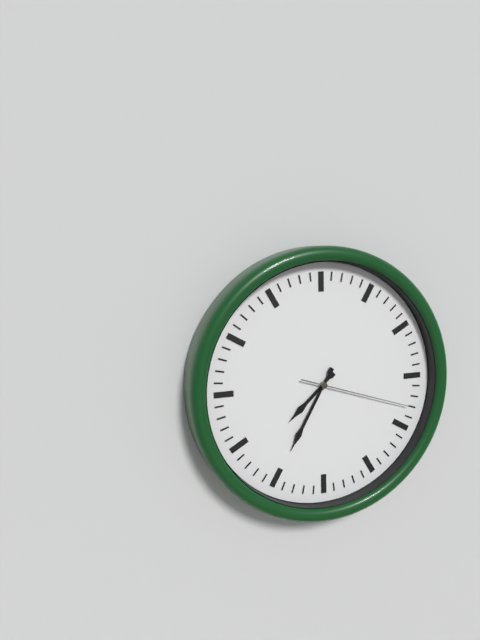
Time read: 7h35m18s
